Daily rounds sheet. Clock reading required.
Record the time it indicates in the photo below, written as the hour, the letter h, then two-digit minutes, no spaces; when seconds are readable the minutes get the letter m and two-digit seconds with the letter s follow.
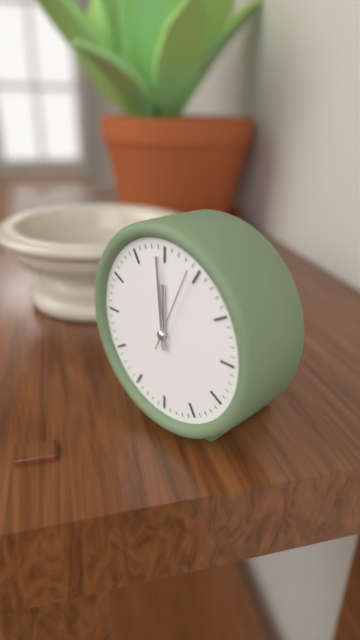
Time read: 11h59m04s
